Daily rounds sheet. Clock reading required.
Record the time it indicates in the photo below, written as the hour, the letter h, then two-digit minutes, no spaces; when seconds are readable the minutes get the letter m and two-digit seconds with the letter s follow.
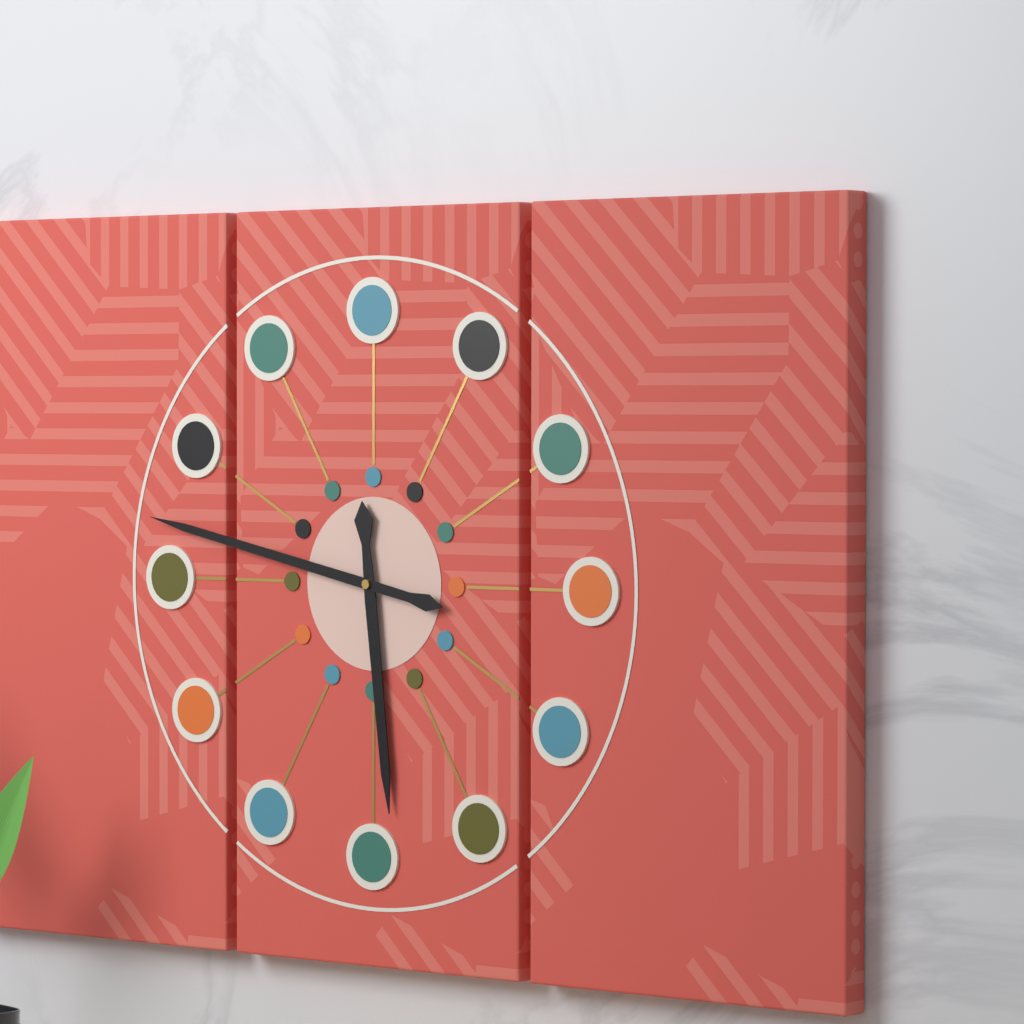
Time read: 5h47
